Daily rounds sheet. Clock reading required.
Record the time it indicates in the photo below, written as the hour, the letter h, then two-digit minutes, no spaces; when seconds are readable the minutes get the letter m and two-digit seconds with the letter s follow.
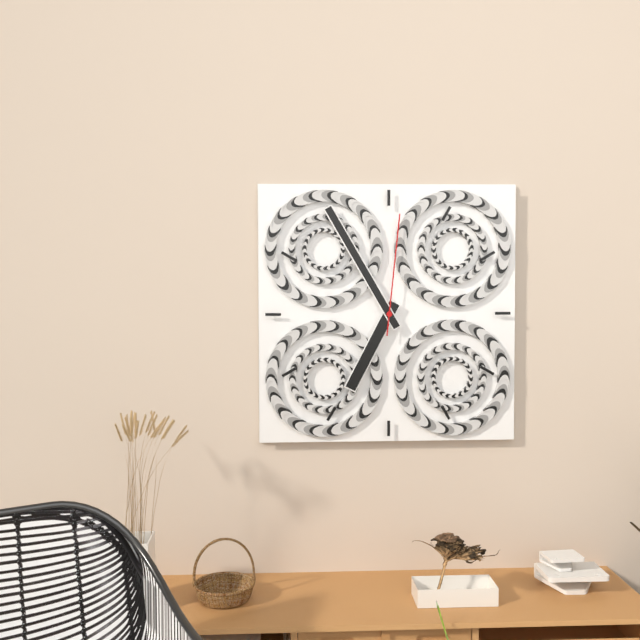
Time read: 6h55m01s
